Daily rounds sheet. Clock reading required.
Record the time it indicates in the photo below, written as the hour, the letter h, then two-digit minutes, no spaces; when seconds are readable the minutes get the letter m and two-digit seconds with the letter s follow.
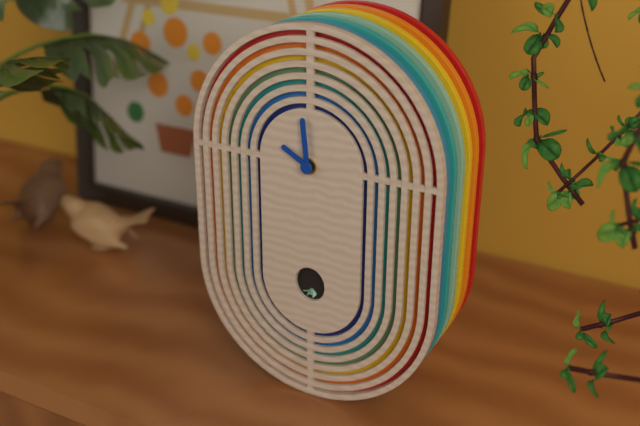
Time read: 9h59
